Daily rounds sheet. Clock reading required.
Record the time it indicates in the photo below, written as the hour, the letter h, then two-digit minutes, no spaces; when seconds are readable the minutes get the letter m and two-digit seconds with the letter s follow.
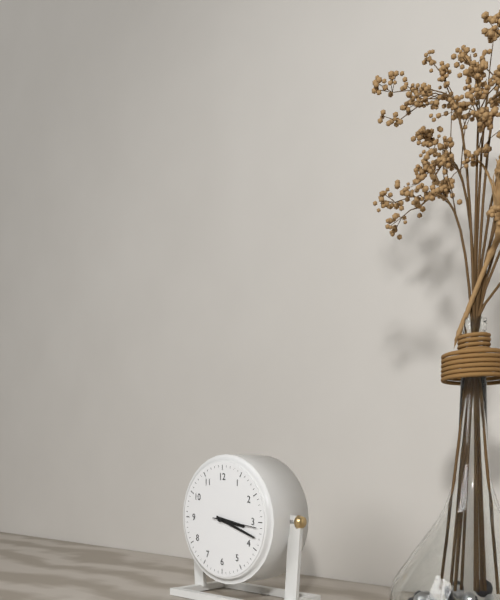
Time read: 3h18
